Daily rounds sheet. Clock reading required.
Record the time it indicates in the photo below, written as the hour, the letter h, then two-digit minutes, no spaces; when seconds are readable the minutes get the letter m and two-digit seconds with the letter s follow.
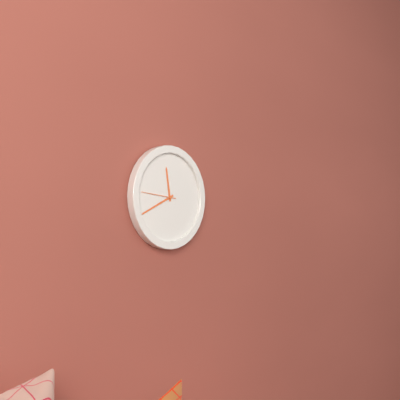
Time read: 11h41
